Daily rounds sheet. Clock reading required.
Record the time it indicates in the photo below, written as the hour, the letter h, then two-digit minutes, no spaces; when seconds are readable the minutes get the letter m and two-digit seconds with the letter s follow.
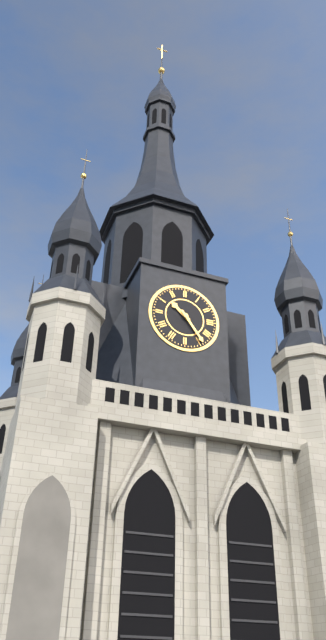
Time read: 10h24
